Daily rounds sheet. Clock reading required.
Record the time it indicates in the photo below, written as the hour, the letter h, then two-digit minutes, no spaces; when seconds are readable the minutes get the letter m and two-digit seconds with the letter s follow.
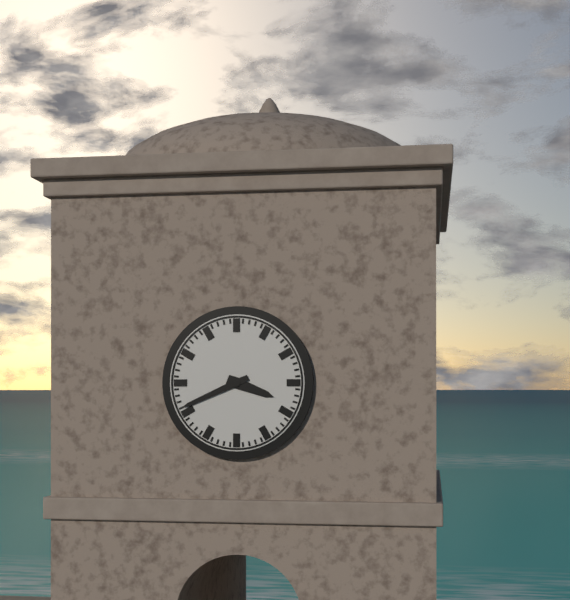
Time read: 3h41
